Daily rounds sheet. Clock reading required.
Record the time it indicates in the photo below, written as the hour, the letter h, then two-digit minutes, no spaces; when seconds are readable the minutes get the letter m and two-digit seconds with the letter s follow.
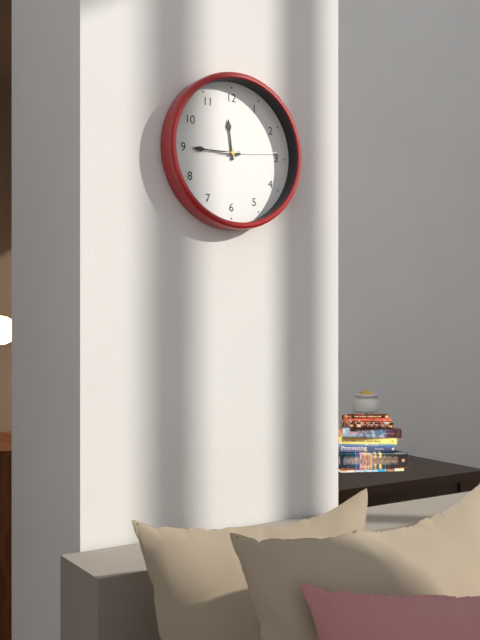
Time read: 11h45m14s
